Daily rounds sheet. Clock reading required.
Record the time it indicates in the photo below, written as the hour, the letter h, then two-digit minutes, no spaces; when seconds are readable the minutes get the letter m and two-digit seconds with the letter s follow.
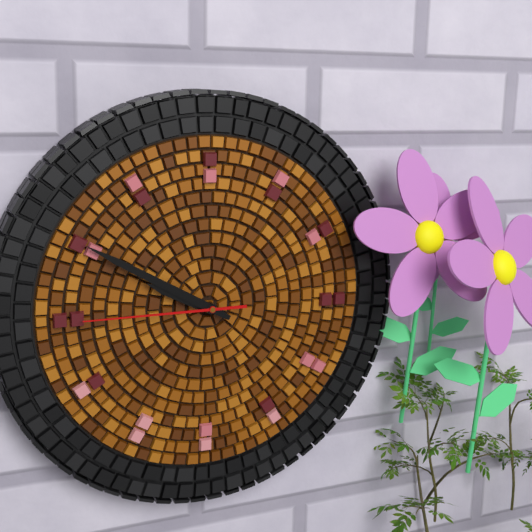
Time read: 9h50m45s
